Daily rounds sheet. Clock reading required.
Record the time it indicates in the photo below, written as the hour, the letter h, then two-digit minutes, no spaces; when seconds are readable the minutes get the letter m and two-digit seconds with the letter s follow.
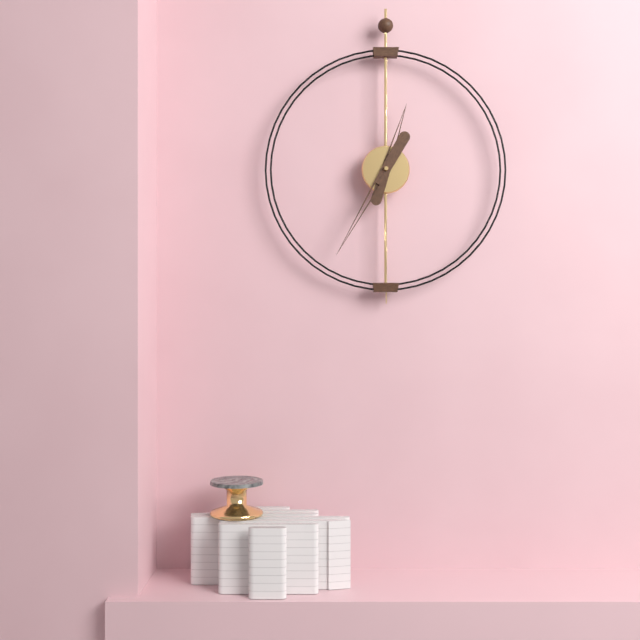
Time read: 12h35
